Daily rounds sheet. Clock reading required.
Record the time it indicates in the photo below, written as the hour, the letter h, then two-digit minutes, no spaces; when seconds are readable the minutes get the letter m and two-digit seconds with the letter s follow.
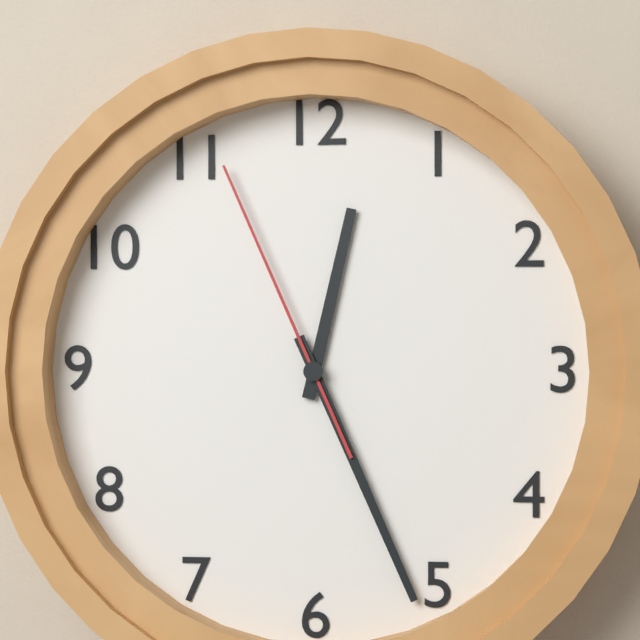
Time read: 12h26m56s
